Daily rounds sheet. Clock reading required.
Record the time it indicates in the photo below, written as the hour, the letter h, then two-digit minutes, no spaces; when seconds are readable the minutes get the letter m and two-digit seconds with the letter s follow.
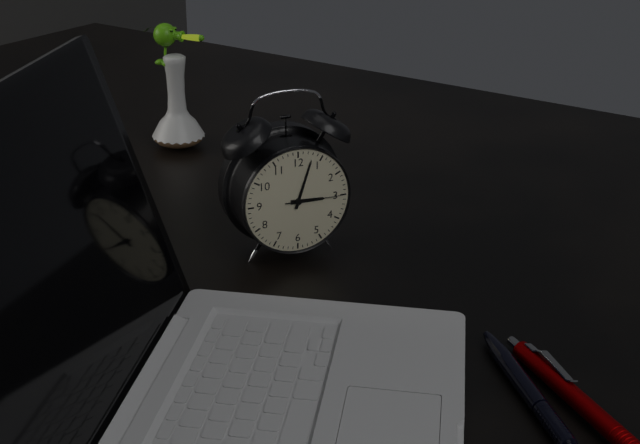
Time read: 3h03m15s
